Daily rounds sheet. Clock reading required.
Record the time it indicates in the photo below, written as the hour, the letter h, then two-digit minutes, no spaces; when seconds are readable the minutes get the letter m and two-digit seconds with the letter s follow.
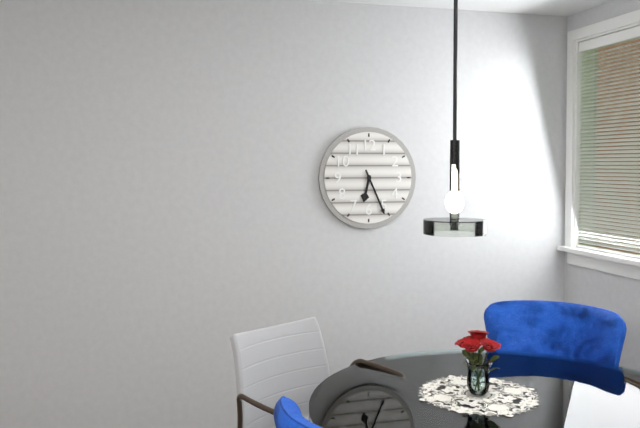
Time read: 6h26
